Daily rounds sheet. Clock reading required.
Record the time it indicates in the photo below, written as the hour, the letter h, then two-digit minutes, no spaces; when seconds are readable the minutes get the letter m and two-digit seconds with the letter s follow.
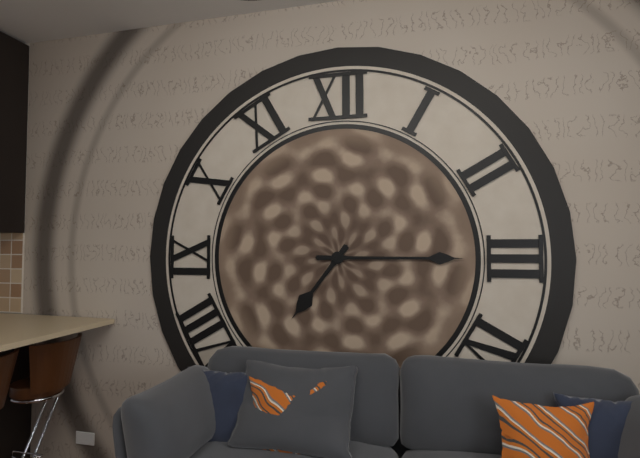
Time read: 7h15
